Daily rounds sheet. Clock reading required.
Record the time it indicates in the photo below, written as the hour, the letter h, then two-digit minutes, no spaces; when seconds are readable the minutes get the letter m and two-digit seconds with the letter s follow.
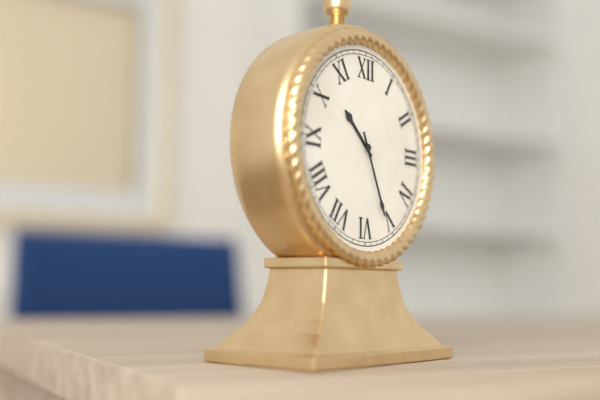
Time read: 10h26
